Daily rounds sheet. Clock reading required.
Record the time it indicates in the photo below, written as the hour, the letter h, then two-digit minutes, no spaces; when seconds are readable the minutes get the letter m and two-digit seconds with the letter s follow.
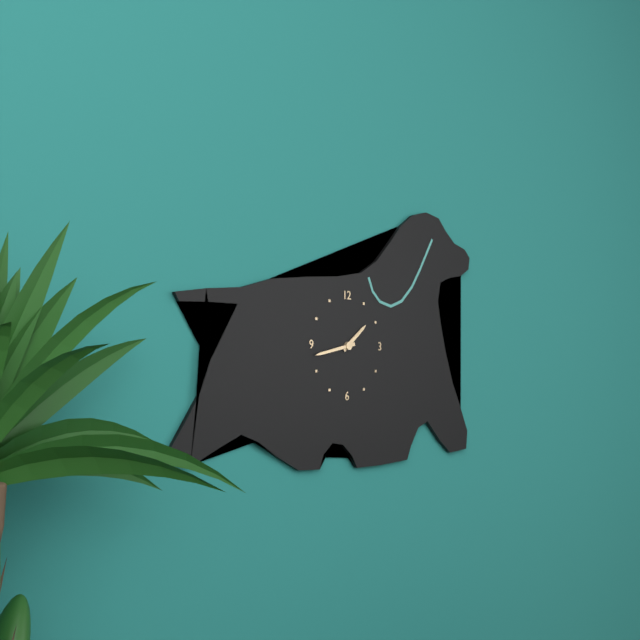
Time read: 1h43
